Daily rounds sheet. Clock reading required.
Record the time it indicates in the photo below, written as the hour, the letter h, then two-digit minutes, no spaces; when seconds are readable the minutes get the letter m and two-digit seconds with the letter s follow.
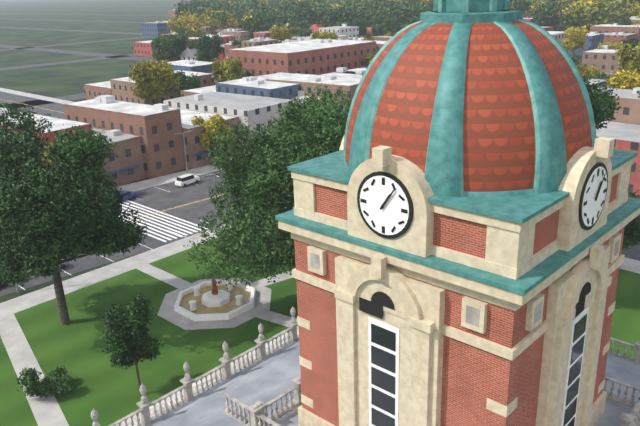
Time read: 1h06
